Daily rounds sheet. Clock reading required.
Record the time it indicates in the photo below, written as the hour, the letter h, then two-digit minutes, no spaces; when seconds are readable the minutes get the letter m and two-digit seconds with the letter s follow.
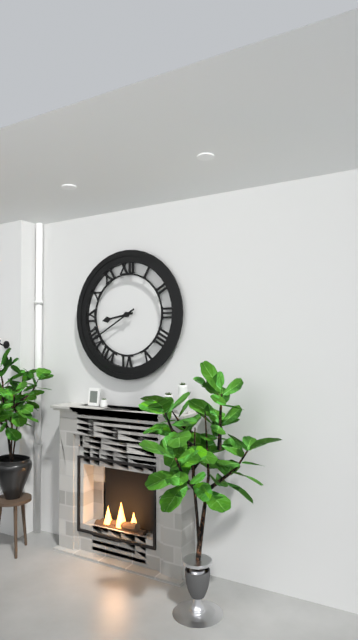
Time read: 8h40
